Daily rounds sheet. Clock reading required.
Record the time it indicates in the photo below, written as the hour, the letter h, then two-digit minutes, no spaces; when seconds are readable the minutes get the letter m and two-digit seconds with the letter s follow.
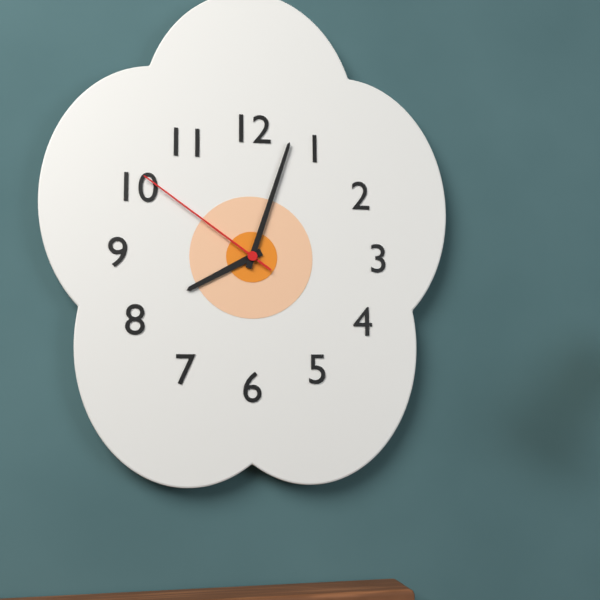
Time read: 8h03m51s
